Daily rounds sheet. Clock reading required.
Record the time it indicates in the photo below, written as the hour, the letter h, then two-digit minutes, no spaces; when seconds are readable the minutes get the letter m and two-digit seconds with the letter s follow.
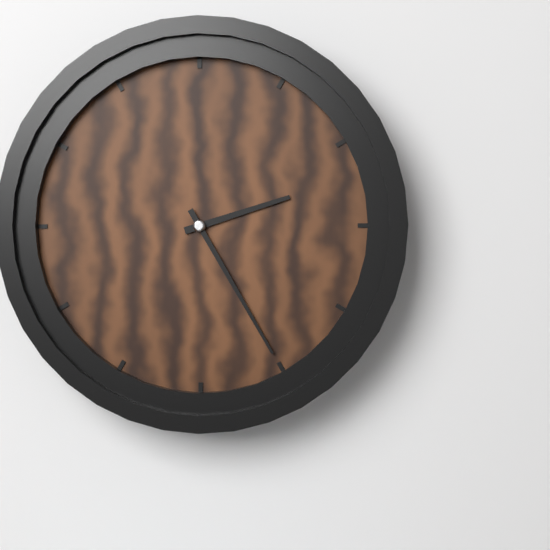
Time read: 2h25
